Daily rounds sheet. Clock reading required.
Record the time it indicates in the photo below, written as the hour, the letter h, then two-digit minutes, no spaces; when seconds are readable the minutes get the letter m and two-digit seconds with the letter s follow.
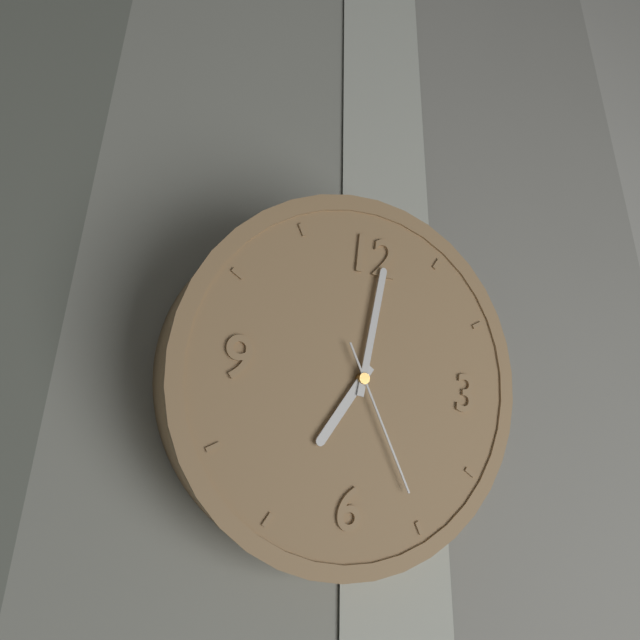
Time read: 7h01m25s
